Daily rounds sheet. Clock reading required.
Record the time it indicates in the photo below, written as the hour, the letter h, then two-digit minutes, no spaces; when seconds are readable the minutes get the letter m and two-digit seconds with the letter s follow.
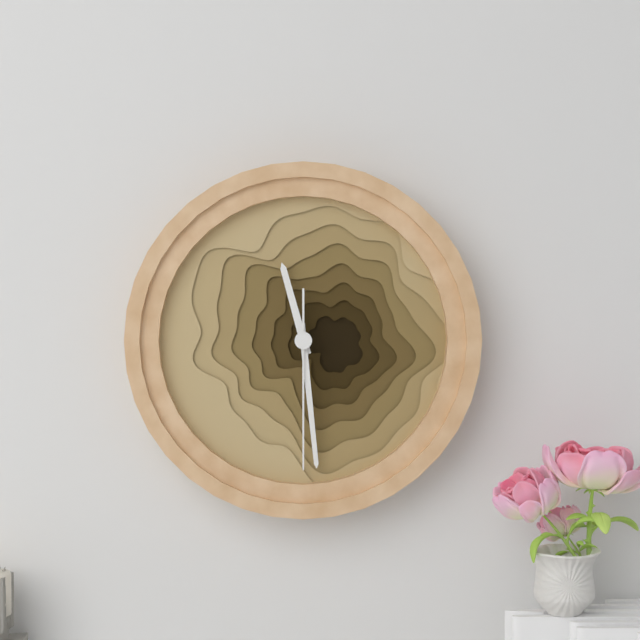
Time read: 11h29m30s
